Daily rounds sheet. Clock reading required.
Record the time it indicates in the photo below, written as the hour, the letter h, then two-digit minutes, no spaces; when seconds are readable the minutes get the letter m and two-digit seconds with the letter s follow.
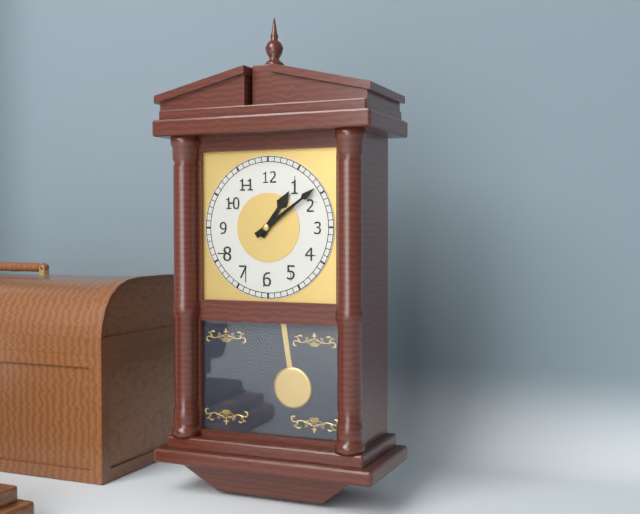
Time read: 1h09
